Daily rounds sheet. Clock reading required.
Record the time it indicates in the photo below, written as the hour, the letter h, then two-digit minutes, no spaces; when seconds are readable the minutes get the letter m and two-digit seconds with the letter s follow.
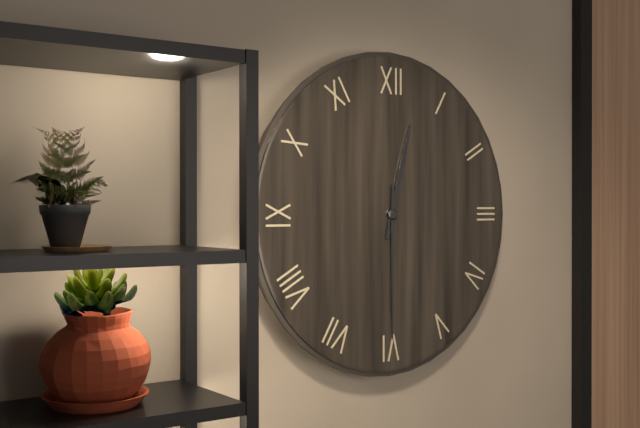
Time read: 12h30
